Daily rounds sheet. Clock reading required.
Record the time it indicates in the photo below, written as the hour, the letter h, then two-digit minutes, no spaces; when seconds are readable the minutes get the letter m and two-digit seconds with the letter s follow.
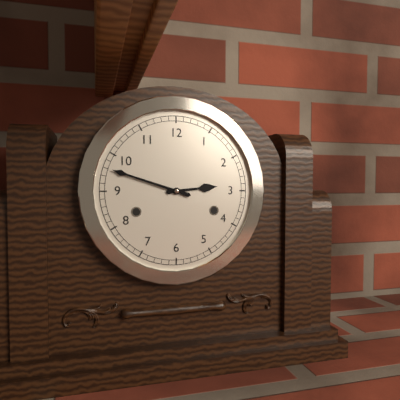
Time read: 2h48
